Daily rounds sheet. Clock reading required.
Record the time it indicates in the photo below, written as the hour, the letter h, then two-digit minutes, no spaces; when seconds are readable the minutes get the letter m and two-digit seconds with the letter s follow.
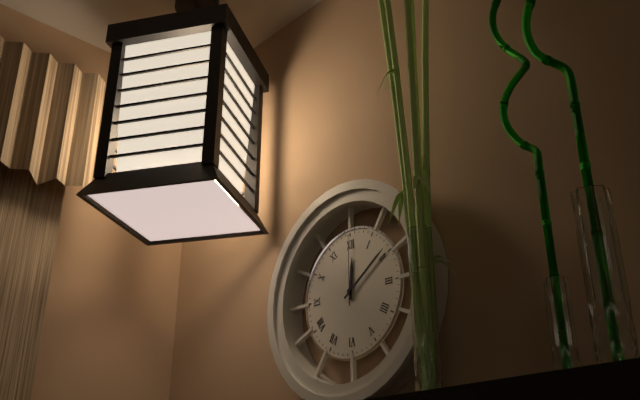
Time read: 12h09m00s
